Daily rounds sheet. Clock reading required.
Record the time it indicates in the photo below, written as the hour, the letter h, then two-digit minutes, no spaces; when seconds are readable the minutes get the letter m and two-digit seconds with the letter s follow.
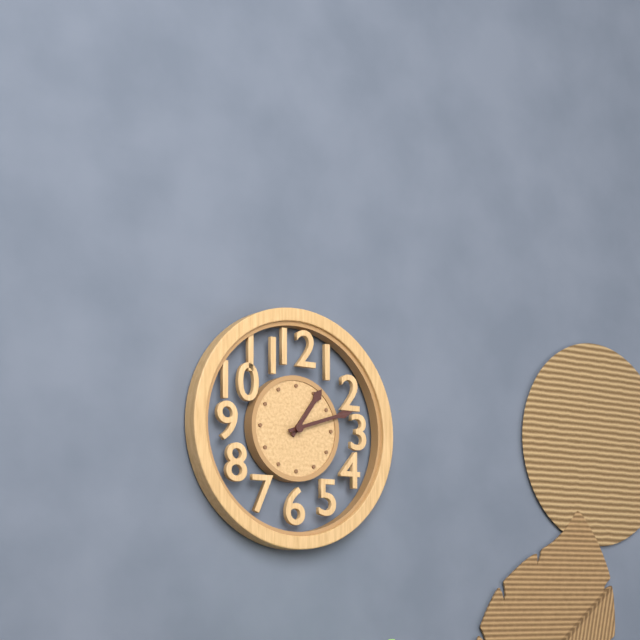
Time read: 1h12
